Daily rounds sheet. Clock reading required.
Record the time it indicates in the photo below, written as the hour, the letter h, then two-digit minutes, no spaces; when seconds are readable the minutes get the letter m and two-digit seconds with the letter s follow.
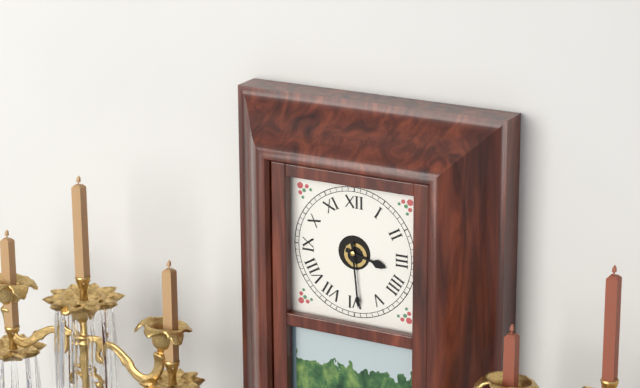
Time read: 3h29
